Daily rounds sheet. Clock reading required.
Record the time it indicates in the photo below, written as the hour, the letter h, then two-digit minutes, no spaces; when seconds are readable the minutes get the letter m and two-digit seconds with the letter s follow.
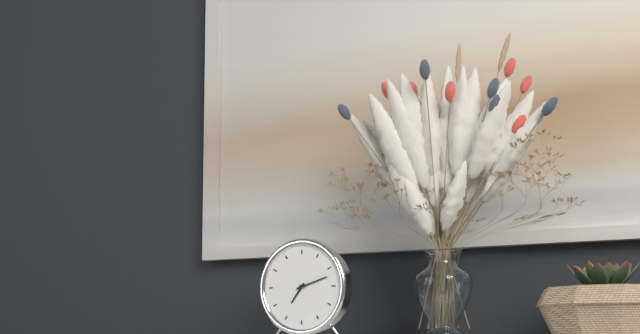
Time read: 7h12
